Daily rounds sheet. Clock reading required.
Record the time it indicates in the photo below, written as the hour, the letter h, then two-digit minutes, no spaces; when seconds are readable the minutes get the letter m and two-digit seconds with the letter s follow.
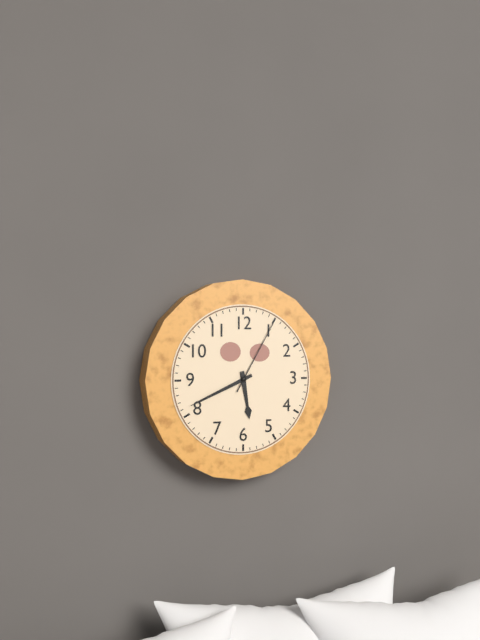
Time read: 5h41m05s
